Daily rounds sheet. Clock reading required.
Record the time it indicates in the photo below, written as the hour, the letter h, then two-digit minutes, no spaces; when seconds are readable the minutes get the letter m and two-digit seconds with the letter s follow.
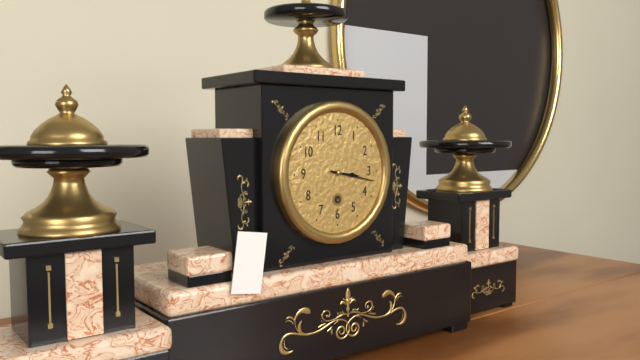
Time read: 3h17
